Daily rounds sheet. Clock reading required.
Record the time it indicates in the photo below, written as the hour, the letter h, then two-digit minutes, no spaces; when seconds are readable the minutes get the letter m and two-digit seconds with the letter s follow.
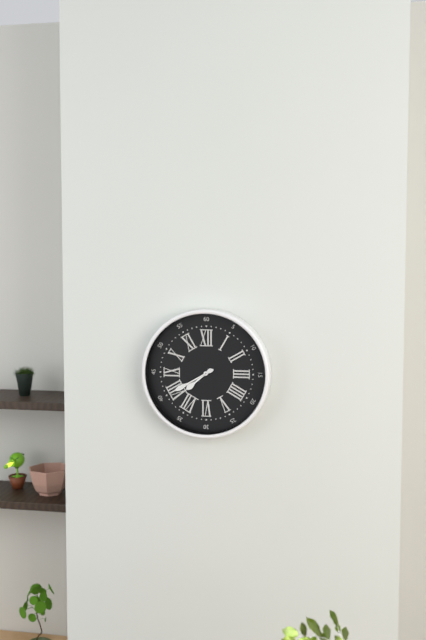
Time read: 7h40
